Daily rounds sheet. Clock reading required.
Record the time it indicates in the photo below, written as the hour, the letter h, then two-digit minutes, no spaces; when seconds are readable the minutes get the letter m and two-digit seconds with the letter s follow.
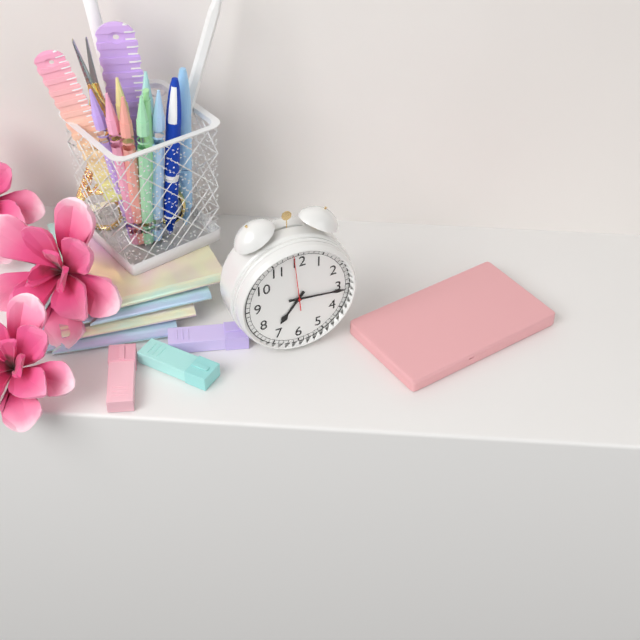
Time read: 7h16m59s
